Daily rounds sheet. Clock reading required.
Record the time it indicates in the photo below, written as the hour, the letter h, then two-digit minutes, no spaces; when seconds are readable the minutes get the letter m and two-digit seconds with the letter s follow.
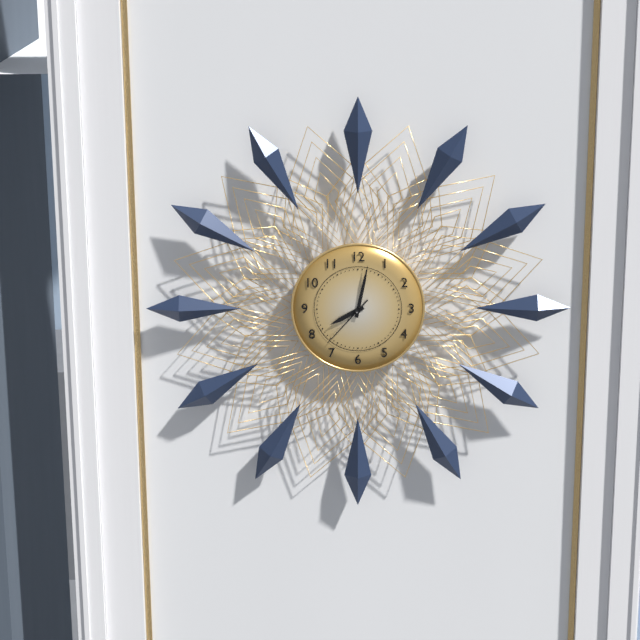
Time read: 8h02m37s
